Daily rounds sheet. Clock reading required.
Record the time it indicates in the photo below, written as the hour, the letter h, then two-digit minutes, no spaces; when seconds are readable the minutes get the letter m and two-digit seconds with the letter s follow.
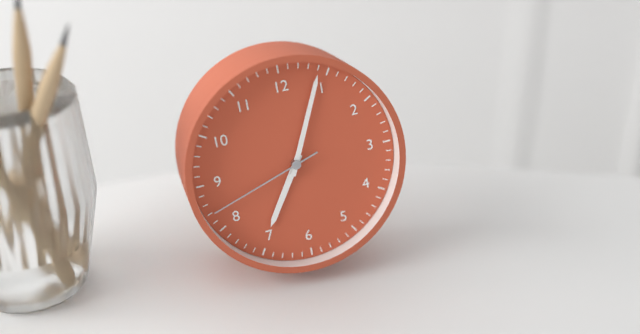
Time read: 7h04m42s
